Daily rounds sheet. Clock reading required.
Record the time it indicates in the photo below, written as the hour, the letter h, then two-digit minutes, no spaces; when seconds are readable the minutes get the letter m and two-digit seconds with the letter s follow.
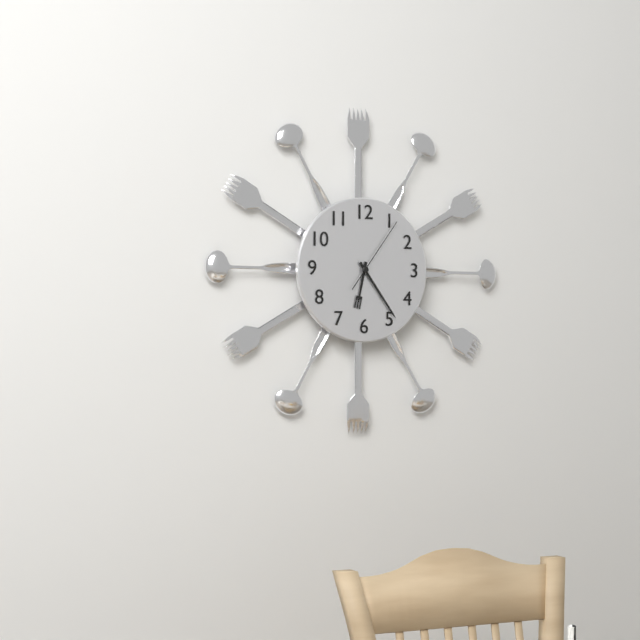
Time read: 6h24m06s
